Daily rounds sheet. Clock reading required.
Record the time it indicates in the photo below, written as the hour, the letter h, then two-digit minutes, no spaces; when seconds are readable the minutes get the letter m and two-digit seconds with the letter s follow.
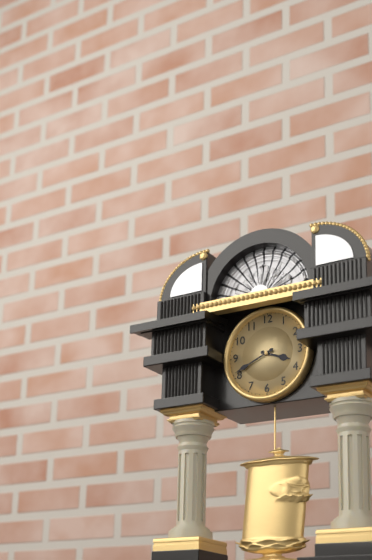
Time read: 3h41
